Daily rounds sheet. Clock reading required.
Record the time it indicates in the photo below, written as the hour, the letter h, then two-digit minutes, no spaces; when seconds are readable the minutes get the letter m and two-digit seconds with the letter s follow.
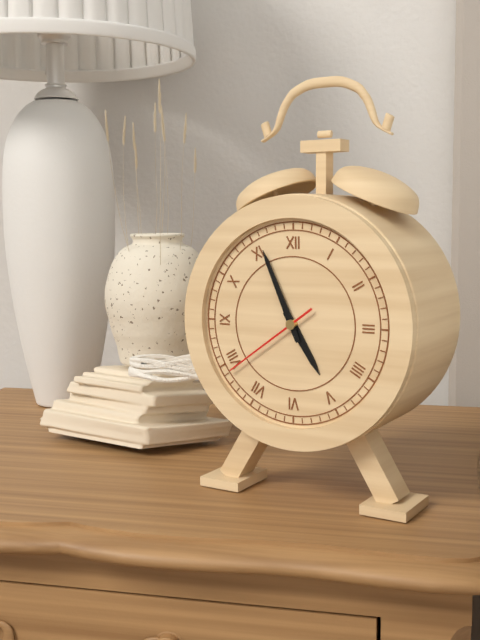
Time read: 4h56m39s
